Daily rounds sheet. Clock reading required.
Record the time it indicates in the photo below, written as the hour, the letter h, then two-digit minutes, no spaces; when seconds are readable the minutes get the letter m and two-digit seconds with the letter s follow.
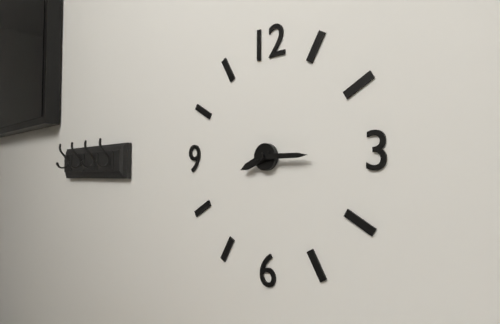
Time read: 8h15
